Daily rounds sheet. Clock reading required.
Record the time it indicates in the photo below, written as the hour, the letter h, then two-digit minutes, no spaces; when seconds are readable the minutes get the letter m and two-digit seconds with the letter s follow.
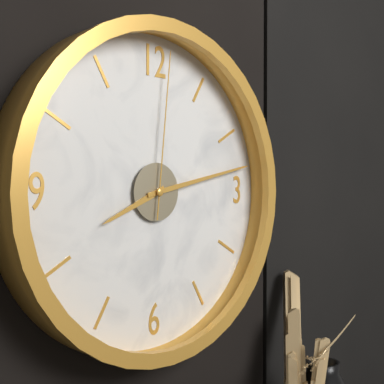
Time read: 8h13m01s
